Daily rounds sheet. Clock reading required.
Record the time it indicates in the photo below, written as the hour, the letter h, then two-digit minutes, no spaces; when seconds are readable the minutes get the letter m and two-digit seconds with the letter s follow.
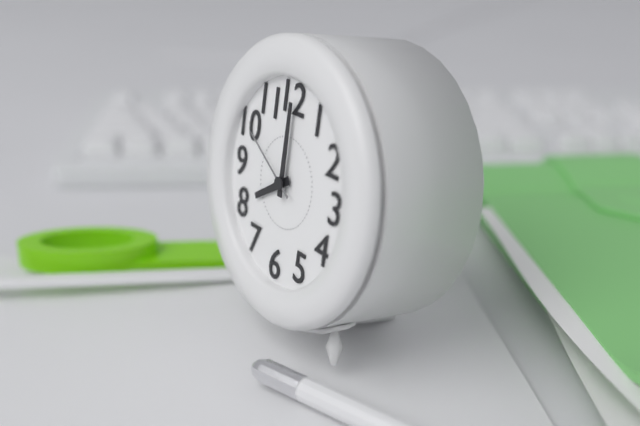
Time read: 8h00m50s
